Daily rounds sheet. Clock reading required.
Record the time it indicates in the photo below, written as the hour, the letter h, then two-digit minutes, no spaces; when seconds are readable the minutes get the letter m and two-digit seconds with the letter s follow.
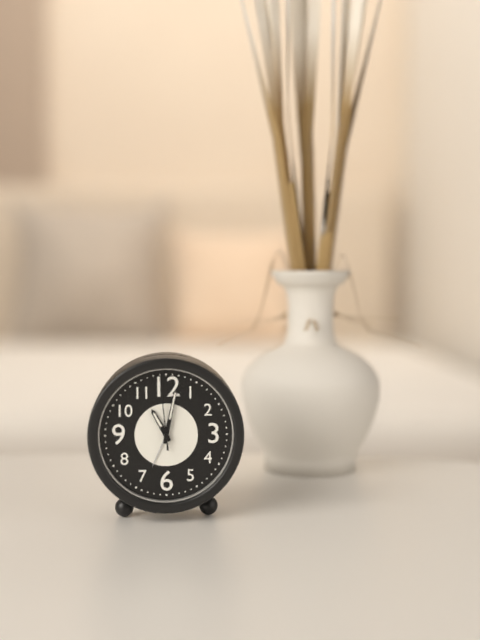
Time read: 11h02m59s
